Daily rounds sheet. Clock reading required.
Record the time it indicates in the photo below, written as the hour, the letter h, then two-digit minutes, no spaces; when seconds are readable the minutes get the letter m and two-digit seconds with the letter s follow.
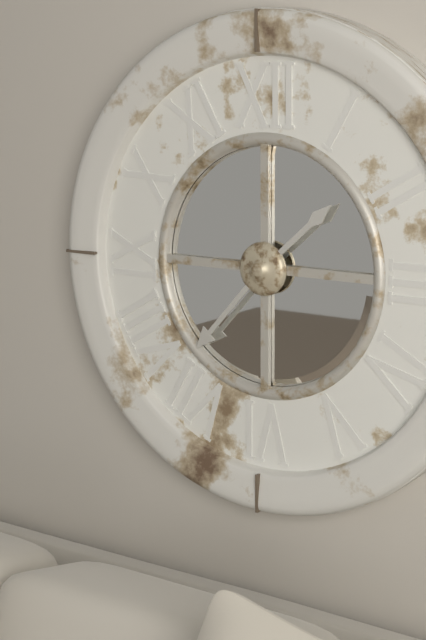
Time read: 1h37
